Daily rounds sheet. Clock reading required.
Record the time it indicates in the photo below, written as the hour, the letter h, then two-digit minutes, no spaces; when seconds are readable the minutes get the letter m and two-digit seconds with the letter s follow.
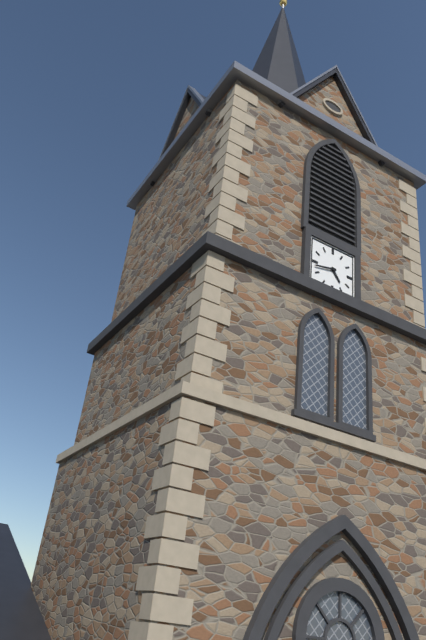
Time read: 4h43
